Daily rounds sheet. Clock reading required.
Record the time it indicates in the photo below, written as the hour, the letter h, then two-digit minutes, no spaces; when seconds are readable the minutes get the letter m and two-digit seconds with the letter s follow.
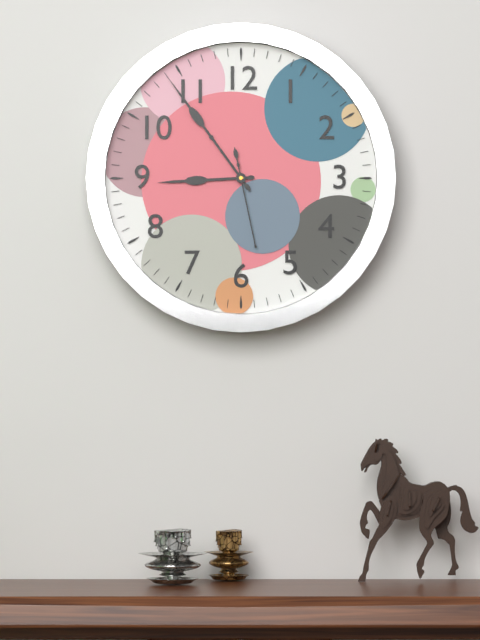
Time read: 8h54m28s
